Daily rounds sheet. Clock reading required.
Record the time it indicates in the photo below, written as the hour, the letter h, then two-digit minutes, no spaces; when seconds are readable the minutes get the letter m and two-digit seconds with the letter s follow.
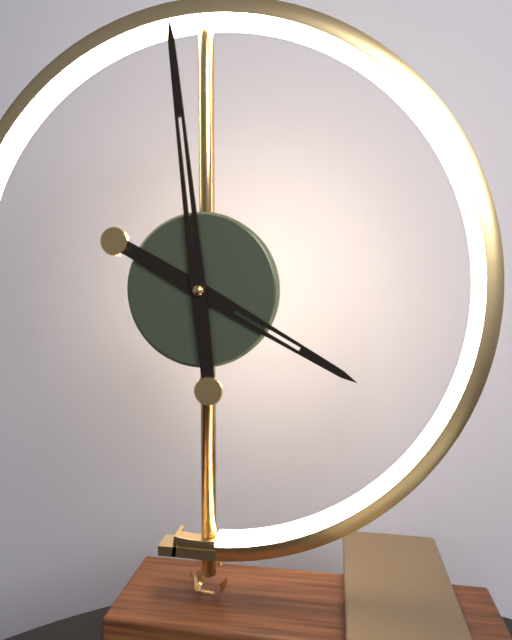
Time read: 3h59
